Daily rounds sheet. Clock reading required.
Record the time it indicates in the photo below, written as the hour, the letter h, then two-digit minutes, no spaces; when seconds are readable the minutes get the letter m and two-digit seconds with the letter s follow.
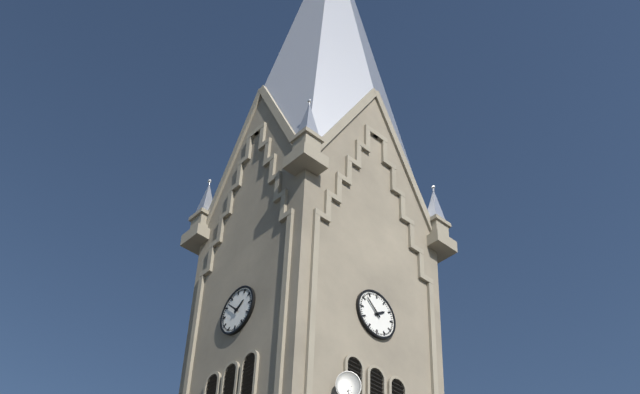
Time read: 1h52
